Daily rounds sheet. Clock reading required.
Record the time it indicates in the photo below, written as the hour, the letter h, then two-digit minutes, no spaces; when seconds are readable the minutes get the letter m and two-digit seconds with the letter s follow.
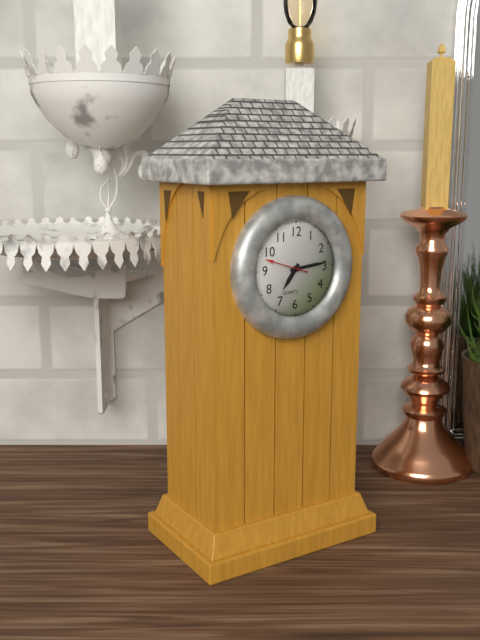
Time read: 7h14
